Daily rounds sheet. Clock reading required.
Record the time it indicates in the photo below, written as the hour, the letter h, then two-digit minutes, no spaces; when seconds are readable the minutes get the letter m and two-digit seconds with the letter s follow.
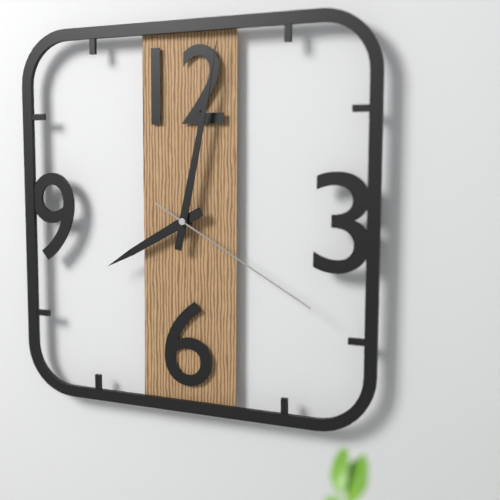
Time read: 8h02m20s
